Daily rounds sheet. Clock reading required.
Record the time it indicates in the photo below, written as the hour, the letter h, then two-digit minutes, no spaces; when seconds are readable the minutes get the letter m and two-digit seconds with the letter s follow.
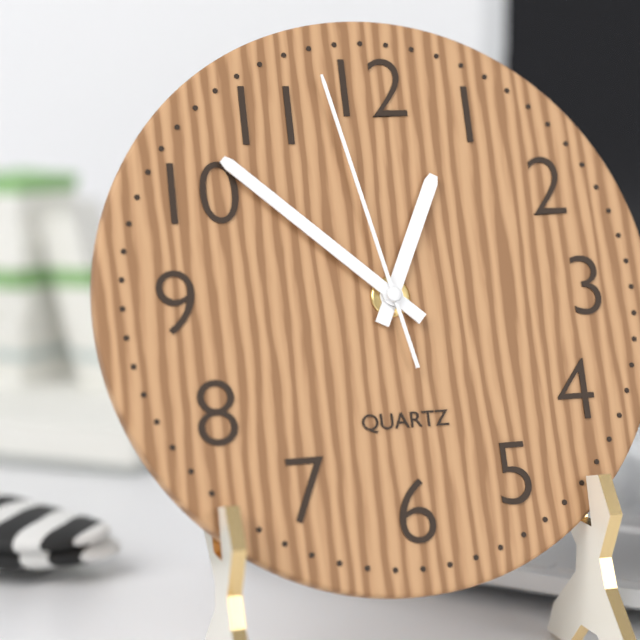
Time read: 12h52m58s
